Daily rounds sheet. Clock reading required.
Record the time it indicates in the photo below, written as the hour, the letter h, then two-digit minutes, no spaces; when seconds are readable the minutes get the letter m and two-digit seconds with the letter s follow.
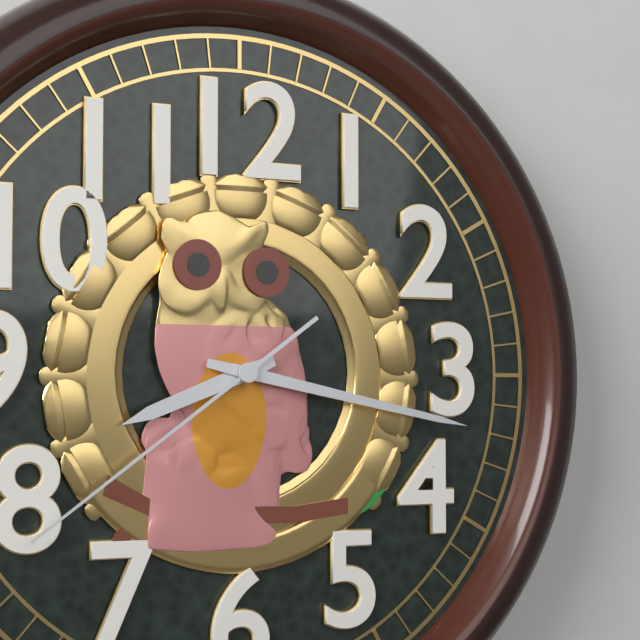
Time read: 8h17m39s
